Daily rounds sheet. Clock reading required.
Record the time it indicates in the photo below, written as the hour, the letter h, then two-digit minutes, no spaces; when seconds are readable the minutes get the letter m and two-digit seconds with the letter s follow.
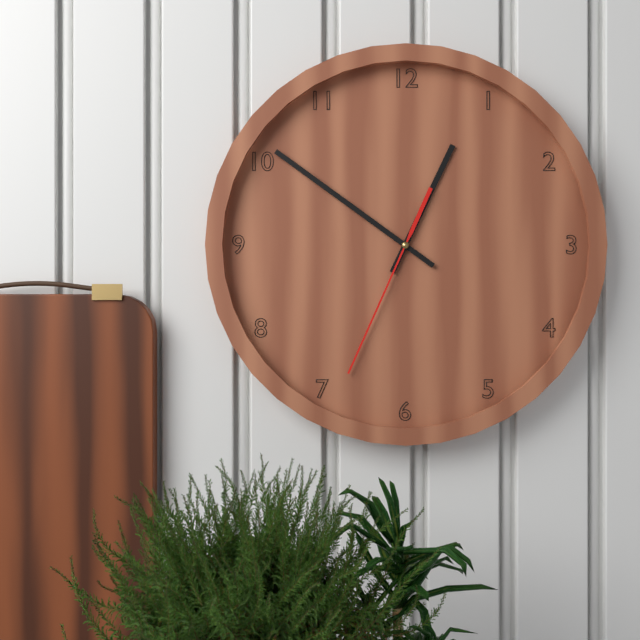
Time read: 12h51m34s
